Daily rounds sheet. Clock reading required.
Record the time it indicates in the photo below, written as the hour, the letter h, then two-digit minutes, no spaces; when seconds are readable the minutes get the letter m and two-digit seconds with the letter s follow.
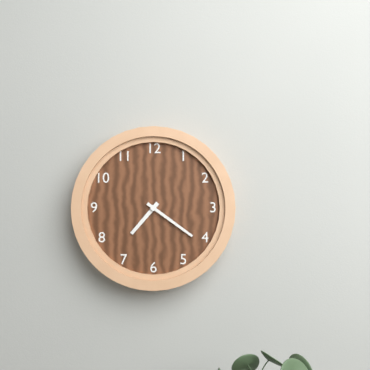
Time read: 7h21
